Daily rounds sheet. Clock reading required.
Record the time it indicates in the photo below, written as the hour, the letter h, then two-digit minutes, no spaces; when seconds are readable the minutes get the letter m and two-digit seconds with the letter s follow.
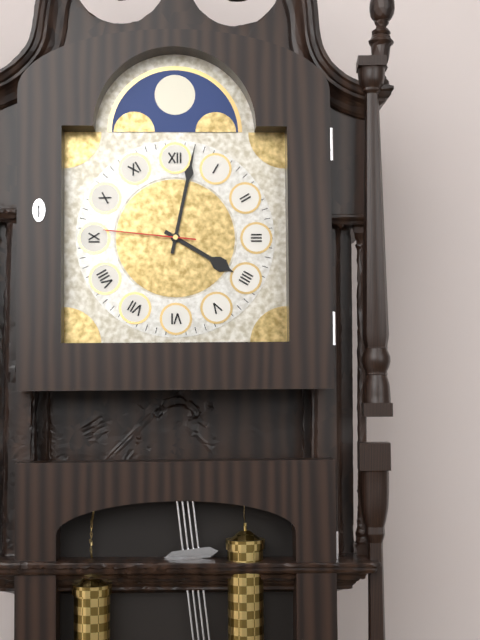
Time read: 4h02m46s
